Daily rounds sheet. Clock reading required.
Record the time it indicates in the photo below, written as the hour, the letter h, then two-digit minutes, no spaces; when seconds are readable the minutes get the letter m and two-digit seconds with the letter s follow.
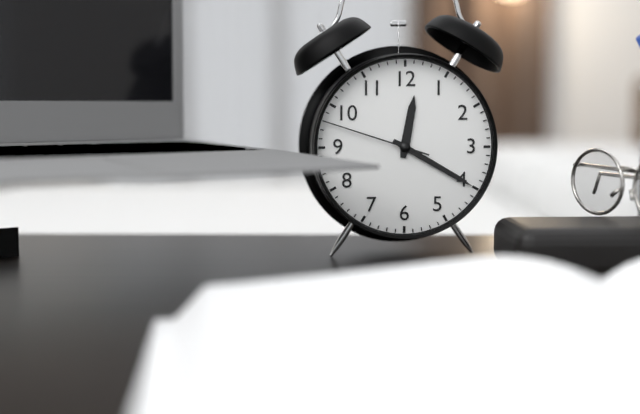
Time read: 12h20m48s
